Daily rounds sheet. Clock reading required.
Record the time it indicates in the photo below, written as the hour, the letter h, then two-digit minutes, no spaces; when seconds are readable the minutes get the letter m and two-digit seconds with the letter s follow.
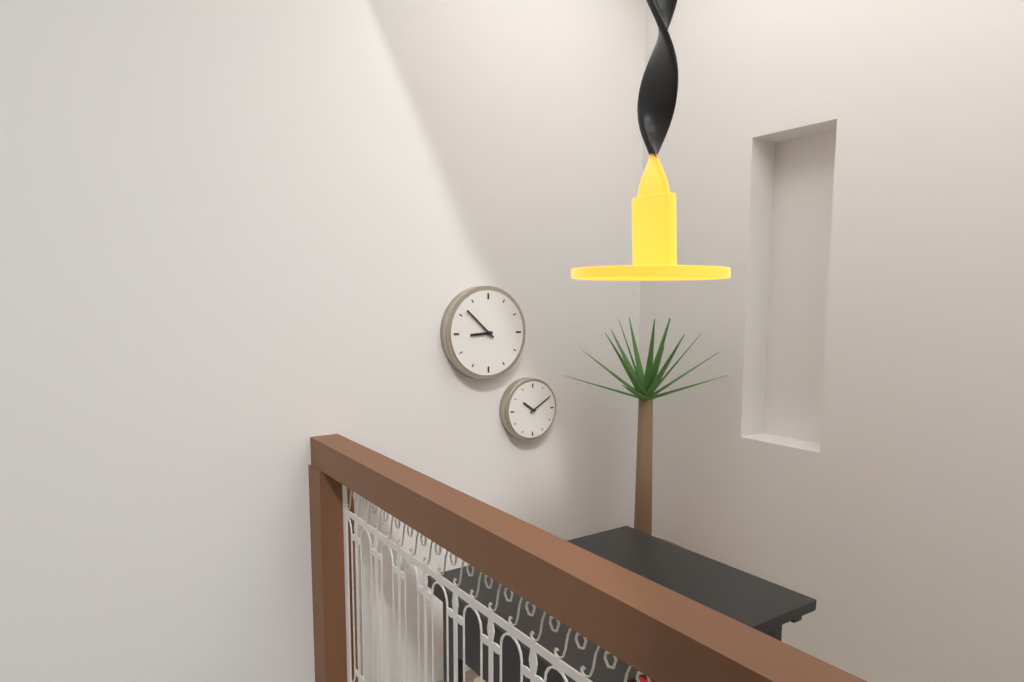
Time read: 8h52
